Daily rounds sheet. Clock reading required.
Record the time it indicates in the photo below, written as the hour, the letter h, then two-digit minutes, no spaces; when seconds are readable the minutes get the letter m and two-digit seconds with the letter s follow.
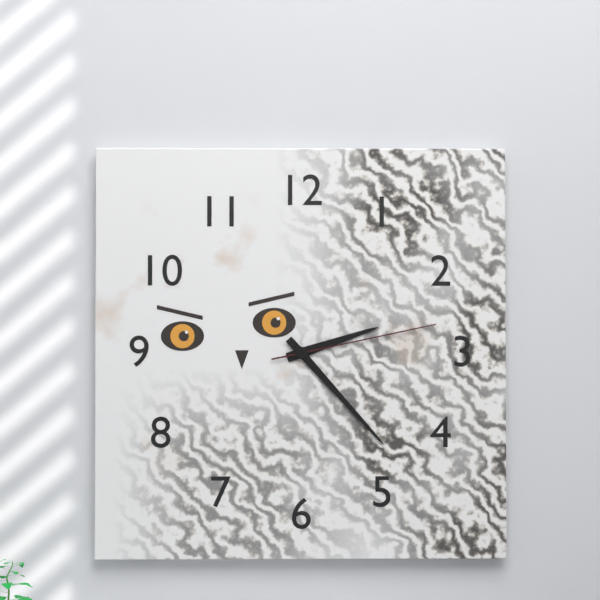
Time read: 2h23m13s
